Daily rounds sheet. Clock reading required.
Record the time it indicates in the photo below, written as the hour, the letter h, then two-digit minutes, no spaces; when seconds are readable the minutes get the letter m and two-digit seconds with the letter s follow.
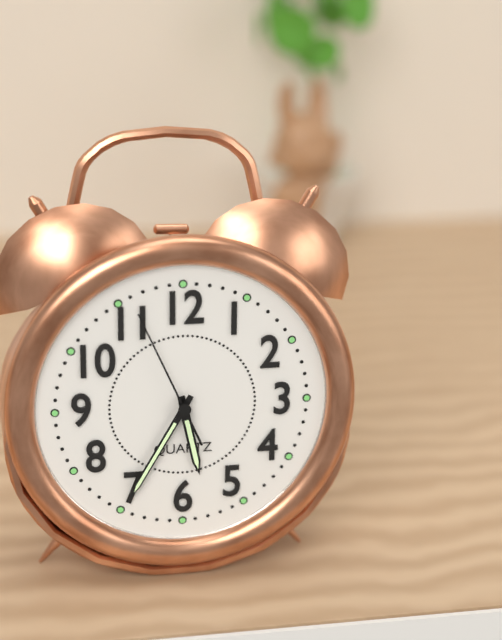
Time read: 5h35m56s
